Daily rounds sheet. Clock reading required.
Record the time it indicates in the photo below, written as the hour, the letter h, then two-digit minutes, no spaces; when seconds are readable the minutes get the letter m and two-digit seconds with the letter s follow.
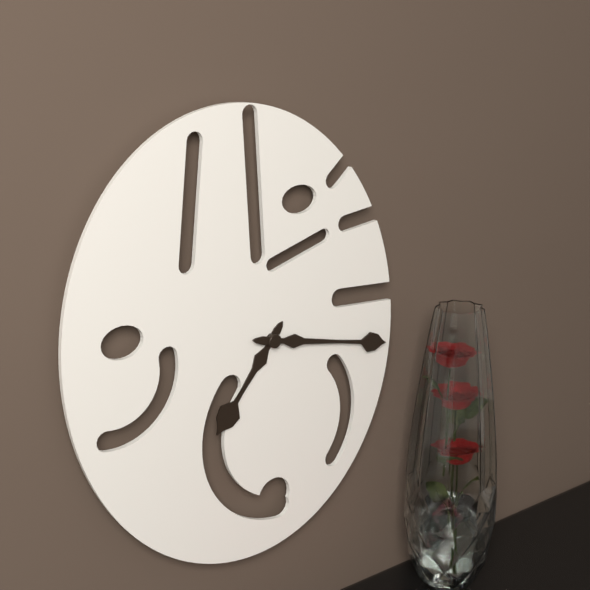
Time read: 7h17
